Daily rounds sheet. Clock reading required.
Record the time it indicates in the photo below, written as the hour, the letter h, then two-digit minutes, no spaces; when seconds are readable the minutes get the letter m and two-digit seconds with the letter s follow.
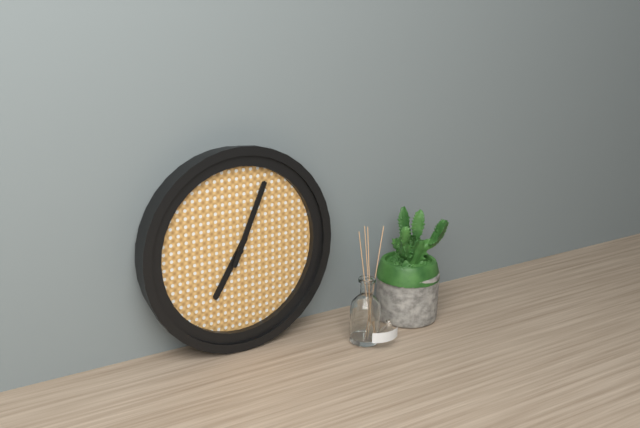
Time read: 7h04
